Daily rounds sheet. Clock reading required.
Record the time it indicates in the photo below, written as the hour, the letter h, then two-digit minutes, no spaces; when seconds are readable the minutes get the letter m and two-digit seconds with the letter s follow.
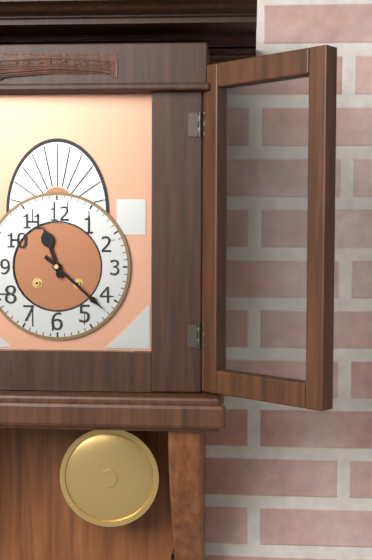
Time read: 11h22
